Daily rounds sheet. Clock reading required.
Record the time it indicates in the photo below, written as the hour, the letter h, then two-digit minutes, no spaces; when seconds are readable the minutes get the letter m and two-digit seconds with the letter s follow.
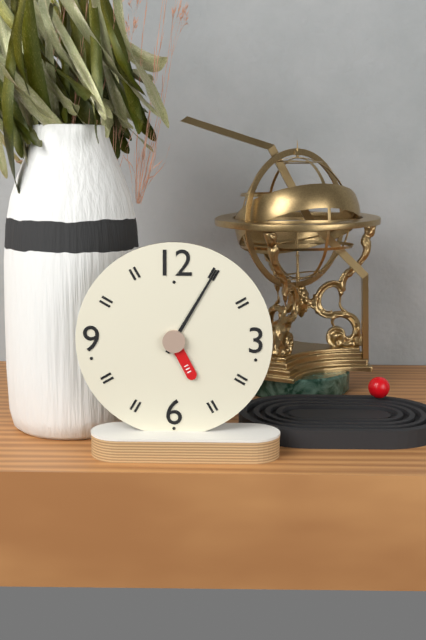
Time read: 5h05
